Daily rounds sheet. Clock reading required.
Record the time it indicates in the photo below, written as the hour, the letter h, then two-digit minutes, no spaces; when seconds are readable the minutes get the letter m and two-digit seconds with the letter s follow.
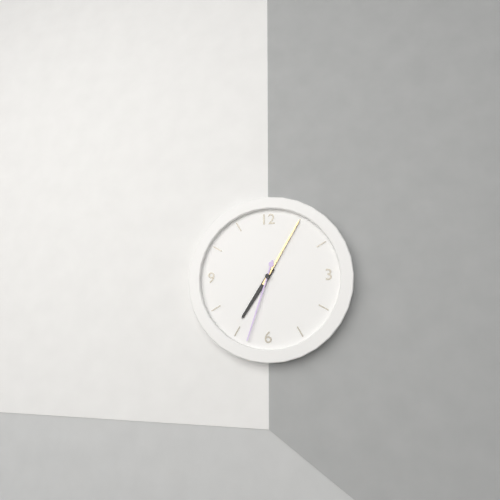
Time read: 7h05m33s
